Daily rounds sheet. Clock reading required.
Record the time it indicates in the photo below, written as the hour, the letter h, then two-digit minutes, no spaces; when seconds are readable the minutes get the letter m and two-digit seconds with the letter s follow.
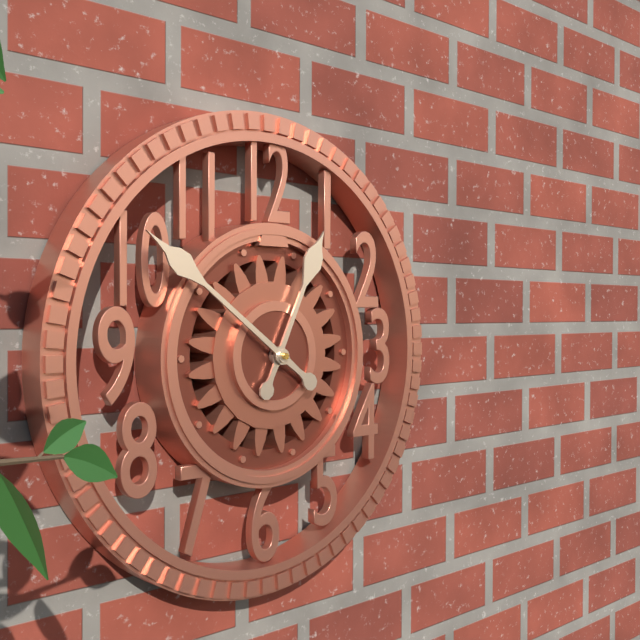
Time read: 12h51
